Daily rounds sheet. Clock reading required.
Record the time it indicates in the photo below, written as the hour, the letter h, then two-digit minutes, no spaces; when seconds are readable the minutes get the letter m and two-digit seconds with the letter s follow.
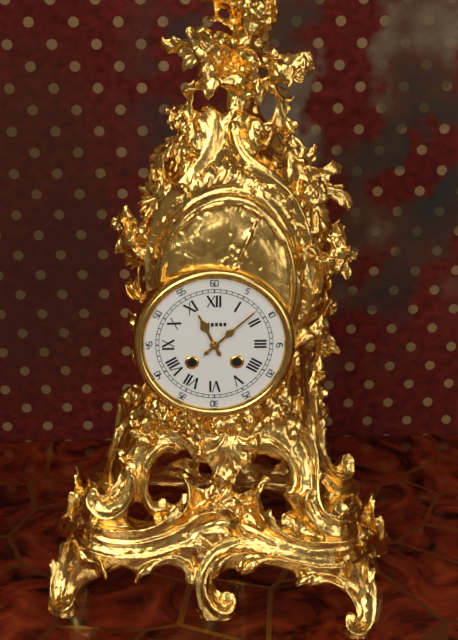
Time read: 11h08
